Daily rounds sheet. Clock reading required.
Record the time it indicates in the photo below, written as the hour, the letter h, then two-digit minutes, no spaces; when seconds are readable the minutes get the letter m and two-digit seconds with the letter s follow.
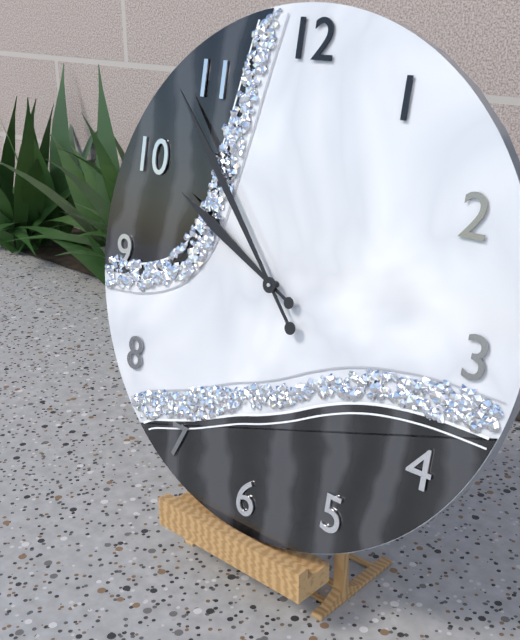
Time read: 9h53
